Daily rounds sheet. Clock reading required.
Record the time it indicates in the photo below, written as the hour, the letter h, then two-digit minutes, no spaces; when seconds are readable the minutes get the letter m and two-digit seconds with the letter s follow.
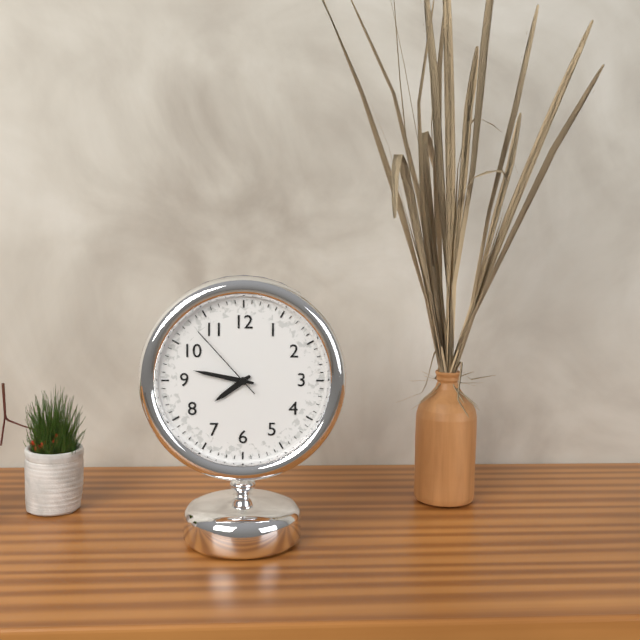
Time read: 7h47m53s
